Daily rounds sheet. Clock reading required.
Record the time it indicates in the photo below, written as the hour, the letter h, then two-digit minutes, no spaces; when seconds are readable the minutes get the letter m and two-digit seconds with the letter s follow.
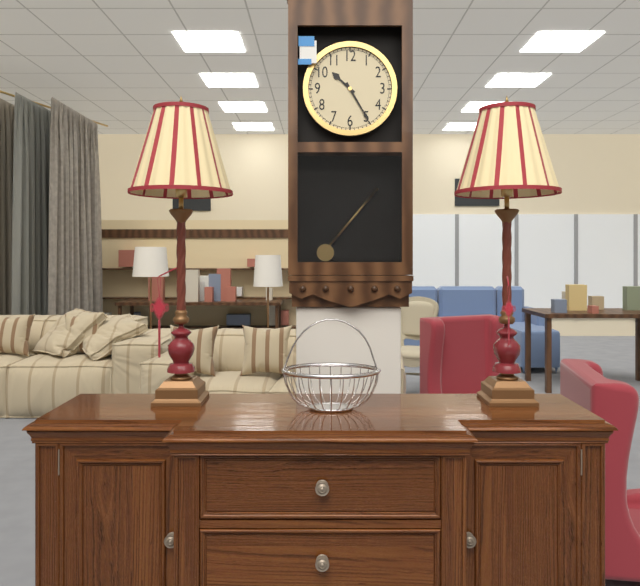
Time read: 10h25
